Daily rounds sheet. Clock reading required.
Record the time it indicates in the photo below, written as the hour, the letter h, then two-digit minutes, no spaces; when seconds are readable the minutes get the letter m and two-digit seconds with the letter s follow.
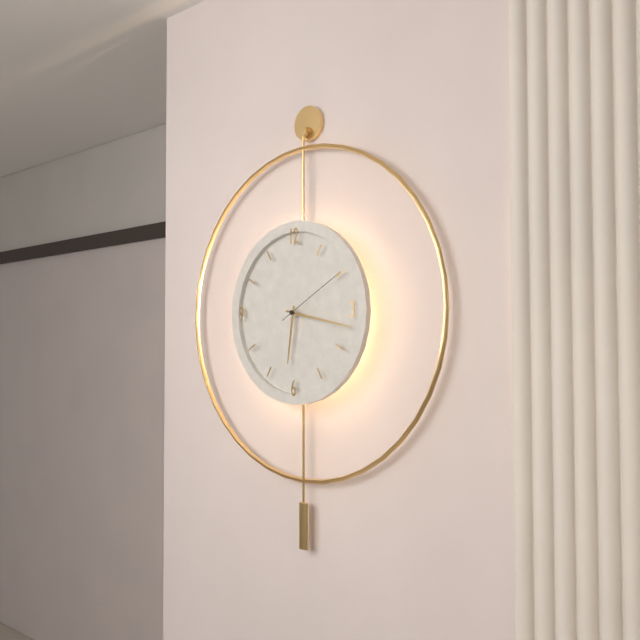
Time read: 6h17m10s
